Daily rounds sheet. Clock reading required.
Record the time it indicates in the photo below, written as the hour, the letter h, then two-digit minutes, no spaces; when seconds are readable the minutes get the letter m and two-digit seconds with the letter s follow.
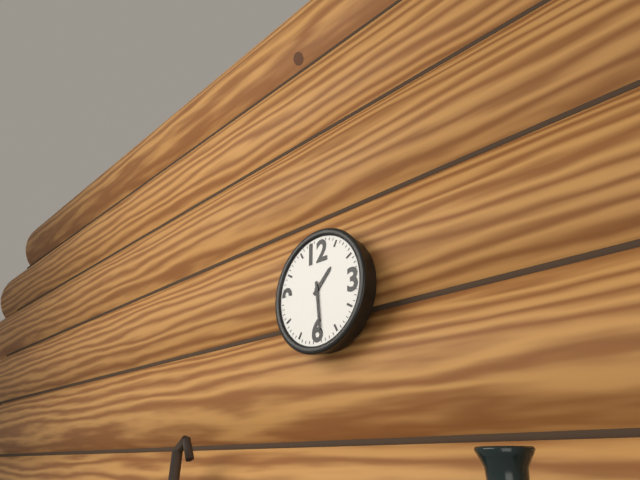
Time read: 1h29
